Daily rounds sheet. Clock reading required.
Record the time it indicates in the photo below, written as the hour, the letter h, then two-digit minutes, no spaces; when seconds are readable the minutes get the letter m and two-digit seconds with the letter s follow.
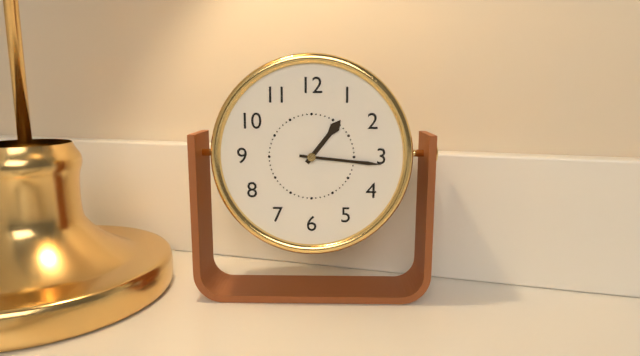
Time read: 1h16
